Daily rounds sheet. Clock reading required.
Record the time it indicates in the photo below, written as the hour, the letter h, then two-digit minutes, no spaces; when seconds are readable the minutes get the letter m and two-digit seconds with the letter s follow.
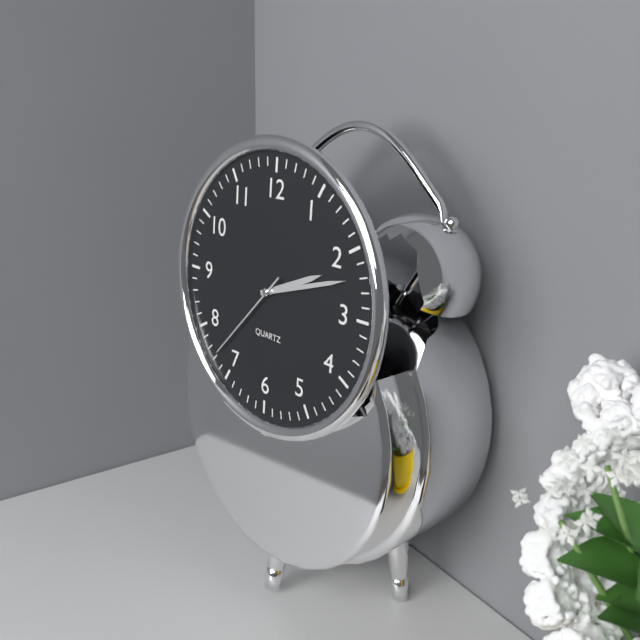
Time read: 2h12m37s
